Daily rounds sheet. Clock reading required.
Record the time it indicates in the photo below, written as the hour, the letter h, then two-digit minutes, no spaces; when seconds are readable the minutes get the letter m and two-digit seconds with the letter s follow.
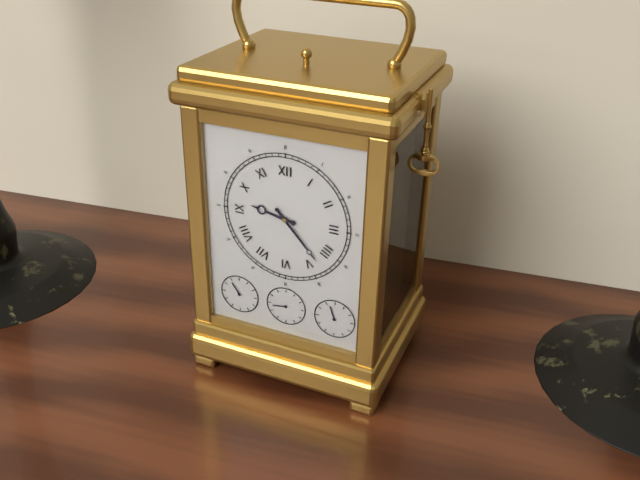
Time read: 9h23
